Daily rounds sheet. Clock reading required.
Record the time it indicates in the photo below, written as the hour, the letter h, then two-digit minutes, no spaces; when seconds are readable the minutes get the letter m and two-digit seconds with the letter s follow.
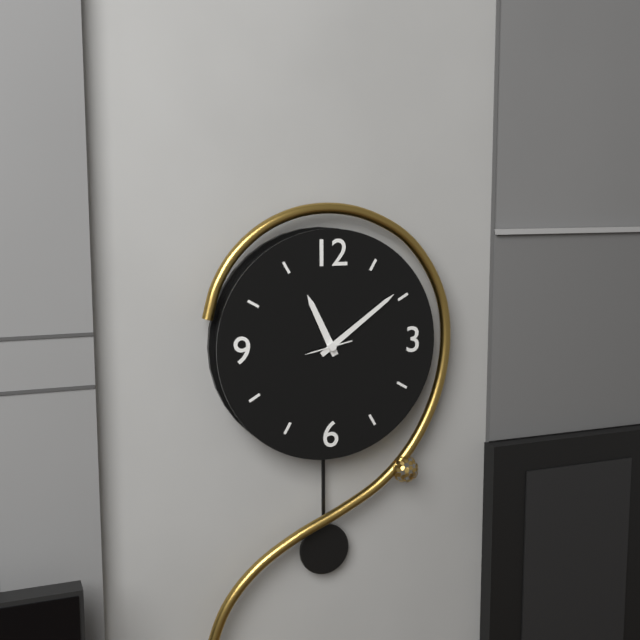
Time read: 11h09
